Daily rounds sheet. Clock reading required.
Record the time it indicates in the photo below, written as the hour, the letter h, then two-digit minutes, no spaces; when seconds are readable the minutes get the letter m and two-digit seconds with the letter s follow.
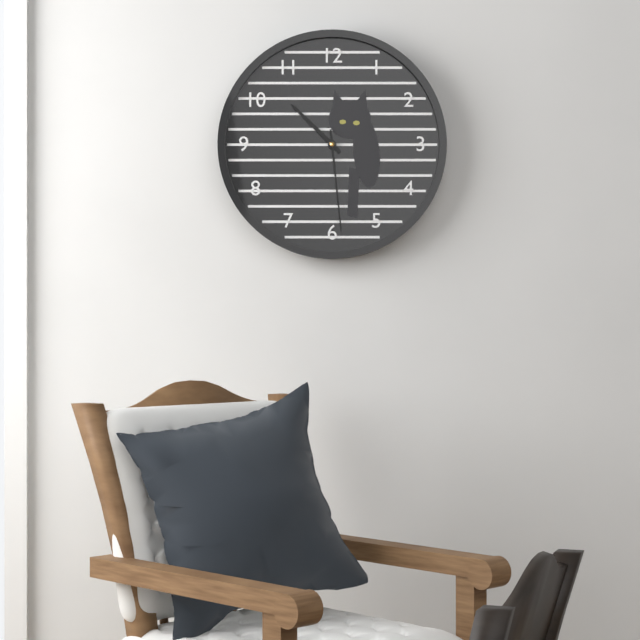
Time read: 10h29
